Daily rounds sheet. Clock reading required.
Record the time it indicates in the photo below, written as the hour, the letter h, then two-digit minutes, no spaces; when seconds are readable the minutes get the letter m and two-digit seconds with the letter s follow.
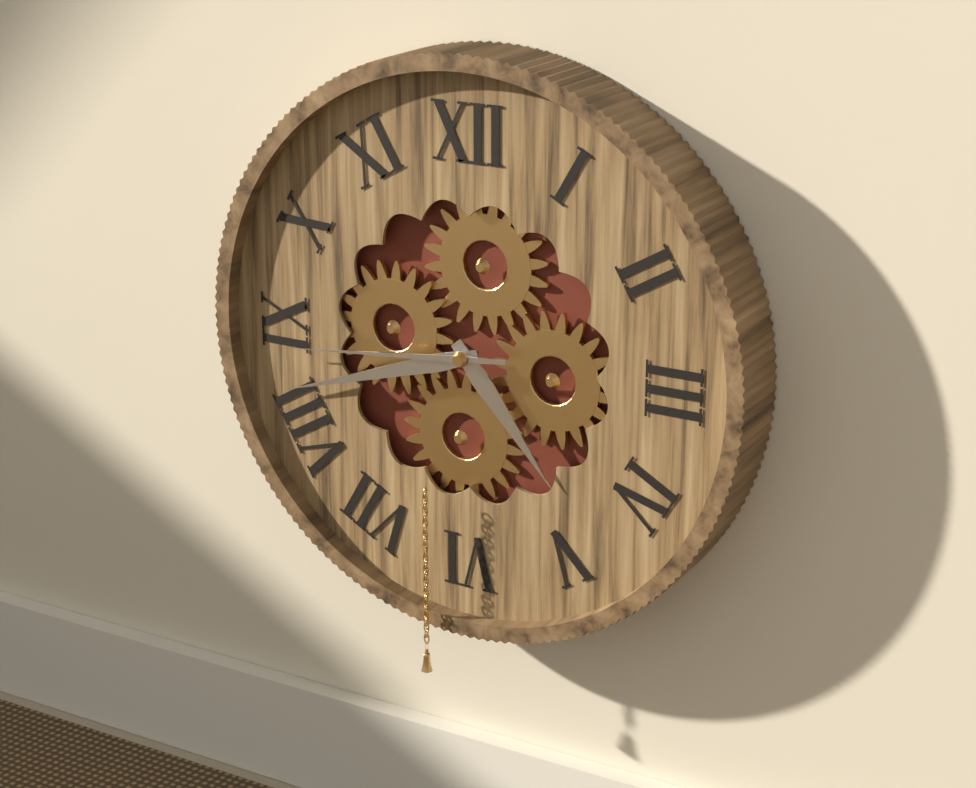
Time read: 4h42m44s
